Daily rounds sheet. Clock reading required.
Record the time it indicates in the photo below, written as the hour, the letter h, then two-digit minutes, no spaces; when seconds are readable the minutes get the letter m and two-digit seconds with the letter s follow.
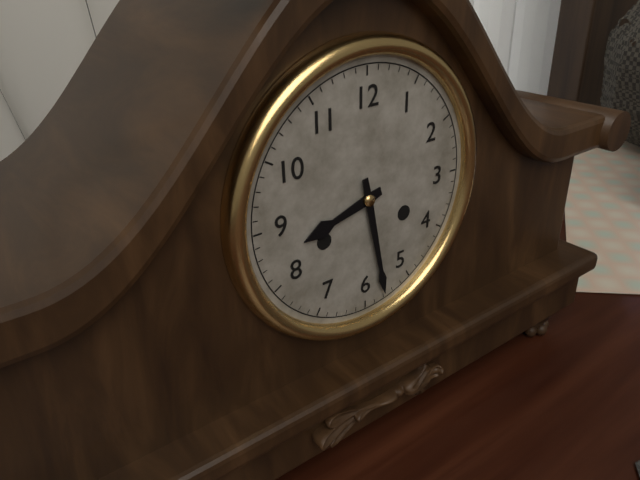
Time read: 8h28
